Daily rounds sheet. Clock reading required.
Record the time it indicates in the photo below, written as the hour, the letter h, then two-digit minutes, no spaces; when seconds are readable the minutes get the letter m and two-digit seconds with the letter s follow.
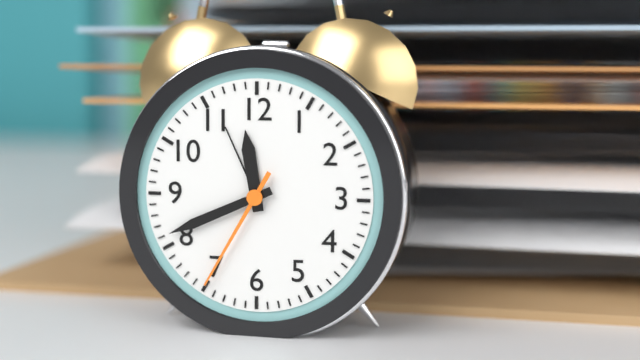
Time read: 11h41m35s
